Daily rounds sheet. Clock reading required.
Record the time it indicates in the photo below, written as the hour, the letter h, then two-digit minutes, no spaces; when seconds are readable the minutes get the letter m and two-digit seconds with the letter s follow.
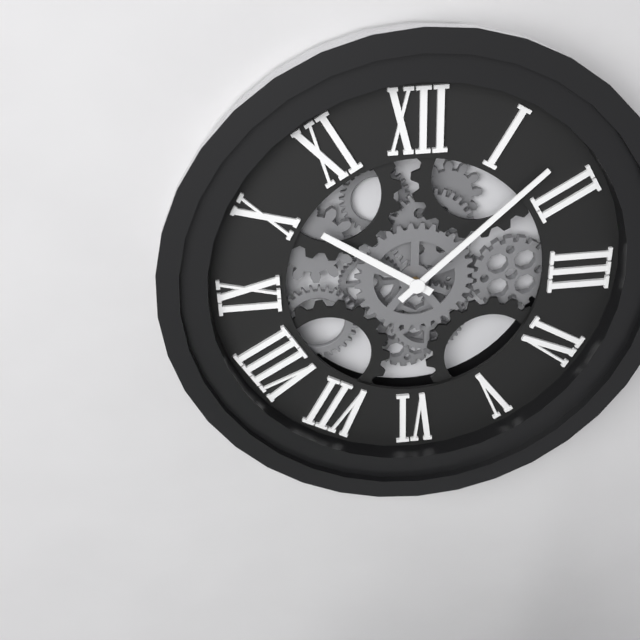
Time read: 10h08
